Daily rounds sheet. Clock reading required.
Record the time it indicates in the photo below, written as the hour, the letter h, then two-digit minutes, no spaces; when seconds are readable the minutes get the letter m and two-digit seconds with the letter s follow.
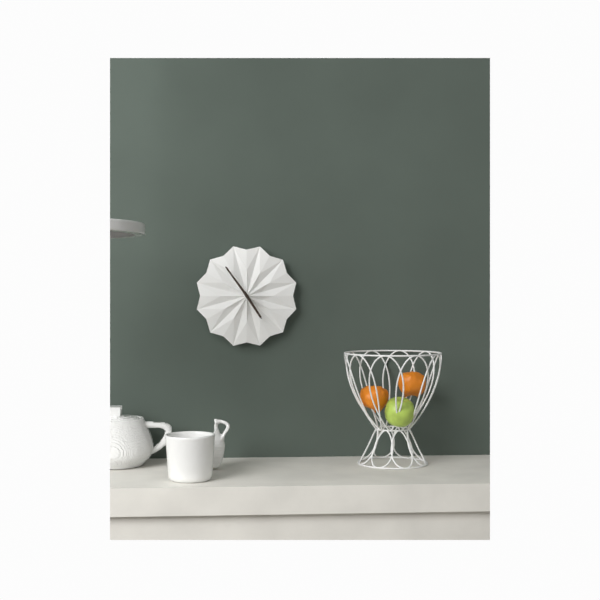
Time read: 4h54
